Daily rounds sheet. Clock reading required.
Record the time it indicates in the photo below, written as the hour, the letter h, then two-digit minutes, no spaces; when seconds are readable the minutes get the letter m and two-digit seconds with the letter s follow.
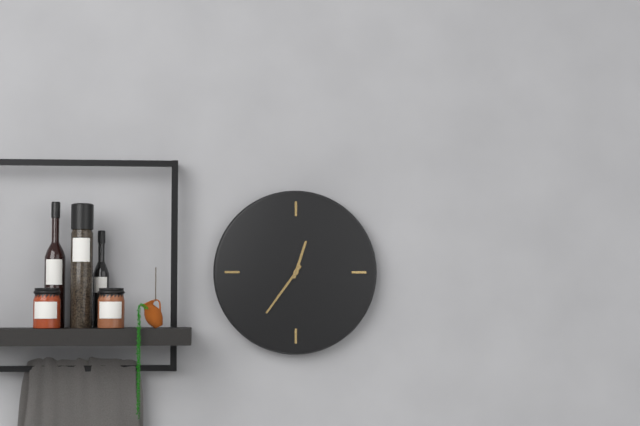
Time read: 12h36
